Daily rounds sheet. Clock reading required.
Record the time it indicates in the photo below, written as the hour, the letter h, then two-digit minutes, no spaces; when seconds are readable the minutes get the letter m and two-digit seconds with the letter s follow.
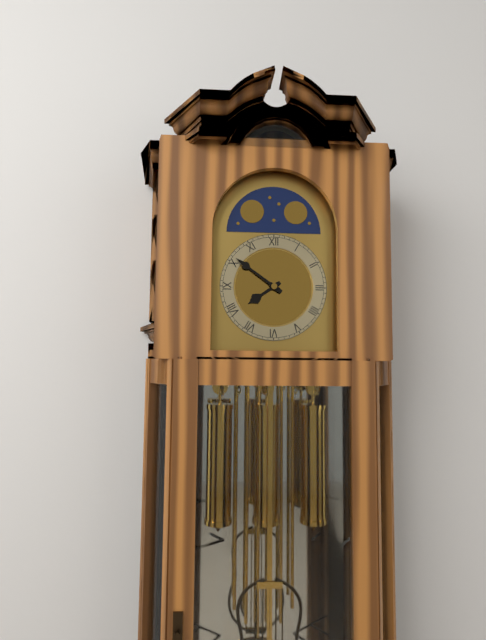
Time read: 7h51
